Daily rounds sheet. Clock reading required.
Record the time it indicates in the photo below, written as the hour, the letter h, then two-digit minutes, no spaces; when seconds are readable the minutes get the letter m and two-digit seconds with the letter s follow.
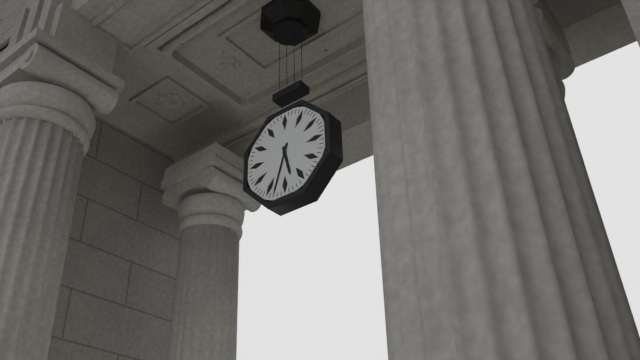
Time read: 5h33
